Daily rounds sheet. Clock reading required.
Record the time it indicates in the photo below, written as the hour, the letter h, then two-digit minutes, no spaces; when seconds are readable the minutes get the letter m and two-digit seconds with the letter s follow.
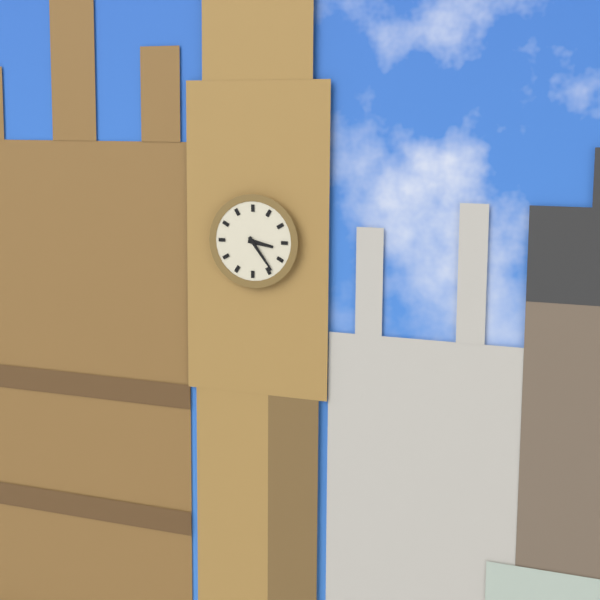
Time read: 3h24
